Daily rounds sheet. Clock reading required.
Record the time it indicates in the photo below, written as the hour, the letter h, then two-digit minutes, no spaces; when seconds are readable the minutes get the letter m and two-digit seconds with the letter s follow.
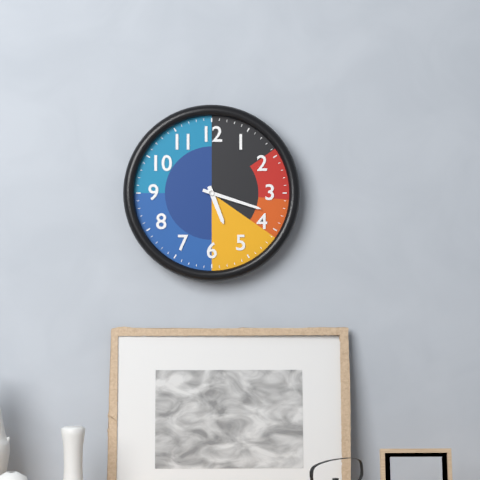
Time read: 5h18
